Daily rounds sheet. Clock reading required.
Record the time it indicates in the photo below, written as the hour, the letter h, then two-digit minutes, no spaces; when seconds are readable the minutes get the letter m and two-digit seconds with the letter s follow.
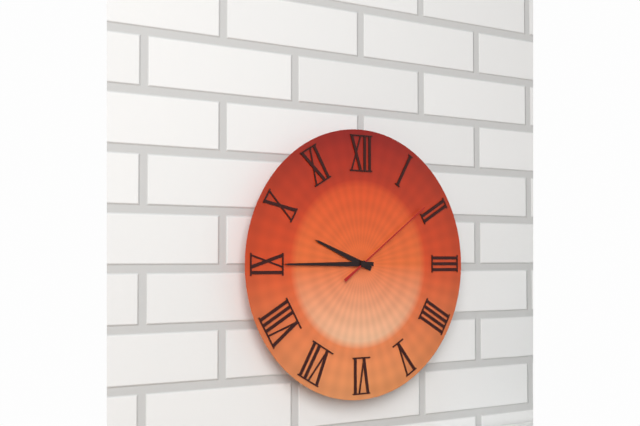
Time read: 9h45m09s
